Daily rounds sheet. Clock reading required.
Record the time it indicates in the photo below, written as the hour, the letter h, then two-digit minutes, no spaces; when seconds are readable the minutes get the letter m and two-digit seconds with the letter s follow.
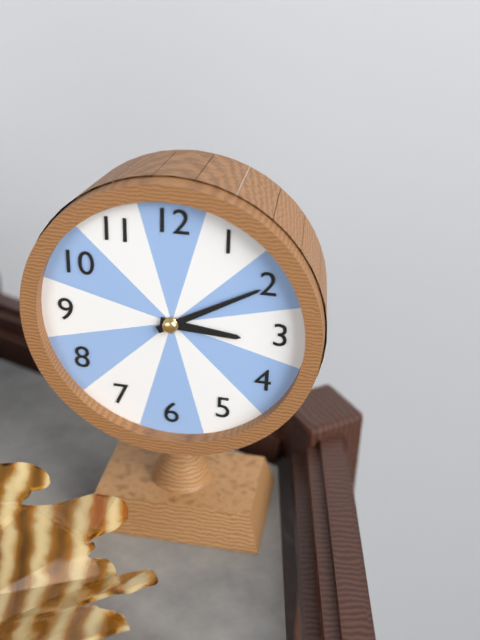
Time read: 3h10
